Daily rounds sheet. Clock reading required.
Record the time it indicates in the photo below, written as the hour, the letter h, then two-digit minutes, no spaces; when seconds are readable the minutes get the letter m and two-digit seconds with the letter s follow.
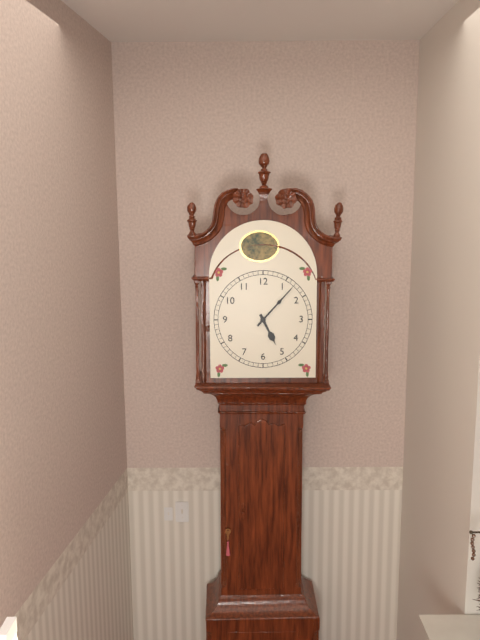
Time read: 5h07
